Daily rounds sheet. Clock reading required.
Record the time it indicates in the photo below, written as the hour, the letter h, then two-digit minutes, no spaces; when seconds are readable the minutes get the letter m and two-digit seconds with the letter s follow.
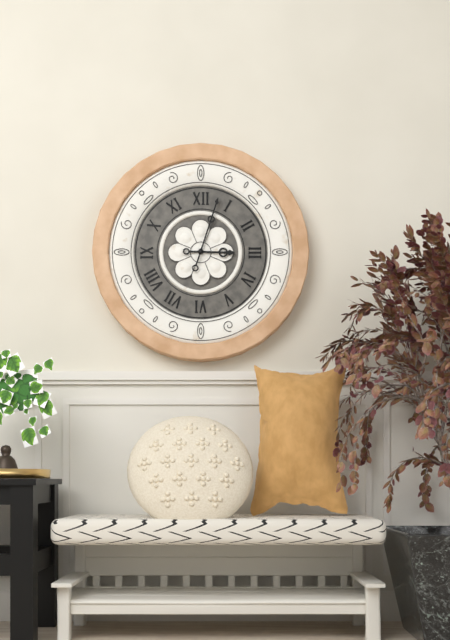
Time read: 3h03
